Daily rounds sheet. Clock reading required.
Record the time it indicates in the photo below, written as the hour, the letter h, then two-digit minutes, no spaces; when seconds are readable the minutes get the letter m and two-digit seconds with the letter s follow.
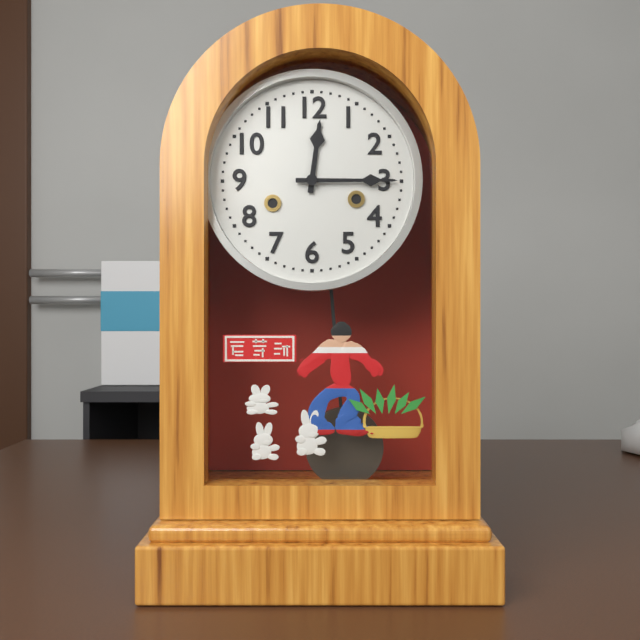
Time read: 12h15
